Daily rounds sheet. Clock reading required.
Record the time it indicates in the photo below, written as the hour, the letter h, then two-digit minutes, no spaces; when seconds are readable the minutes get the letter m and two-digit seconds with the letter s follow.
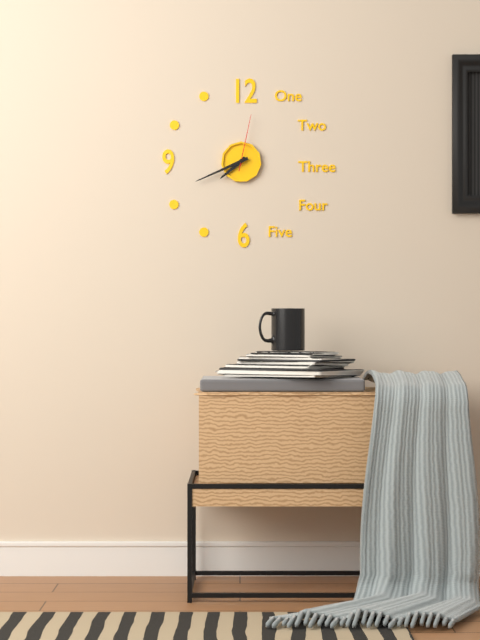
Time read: 7h41m02s
